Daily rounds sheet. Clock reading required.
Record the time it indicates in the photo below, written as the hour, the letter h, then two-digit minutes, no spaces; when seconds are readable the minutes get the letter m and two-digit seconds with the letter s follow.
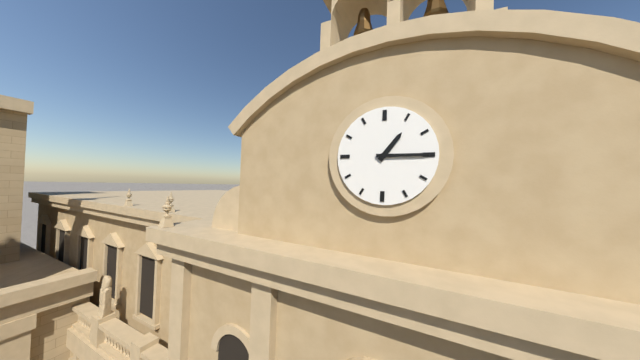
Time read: 1h15
